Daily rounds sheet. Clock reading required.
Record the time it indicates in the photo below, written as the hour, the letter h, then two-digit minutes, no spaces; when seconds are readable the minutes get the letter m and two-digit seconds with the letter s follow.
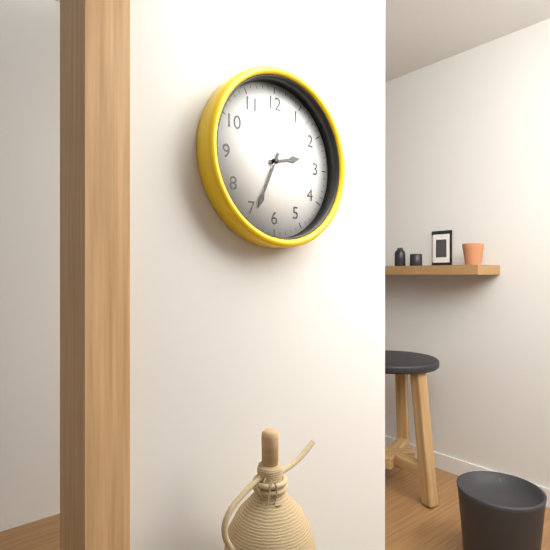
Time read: 2h34m07s
